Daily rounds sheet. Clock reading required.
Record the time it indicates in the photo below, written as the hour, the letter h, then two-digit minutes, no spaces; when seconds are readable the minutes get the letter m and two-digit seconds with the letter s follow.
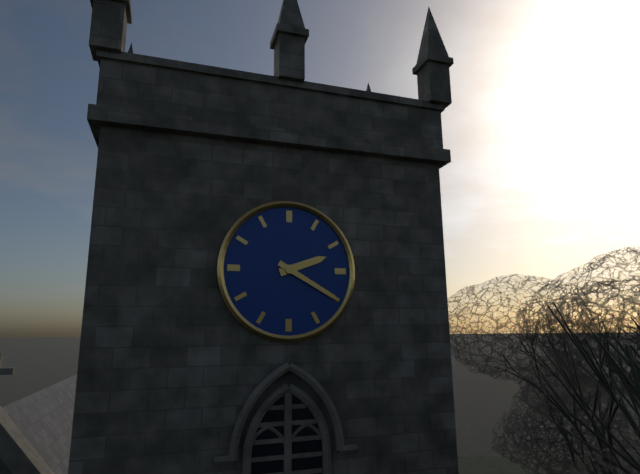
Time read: 2h20
